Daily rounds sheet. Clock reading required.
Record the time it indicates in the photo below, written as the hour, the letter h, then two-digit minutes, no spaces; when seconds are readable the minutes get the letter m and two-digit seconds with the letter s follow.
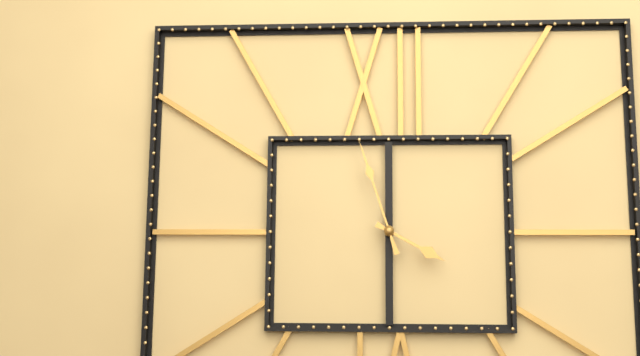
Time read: 3h57
